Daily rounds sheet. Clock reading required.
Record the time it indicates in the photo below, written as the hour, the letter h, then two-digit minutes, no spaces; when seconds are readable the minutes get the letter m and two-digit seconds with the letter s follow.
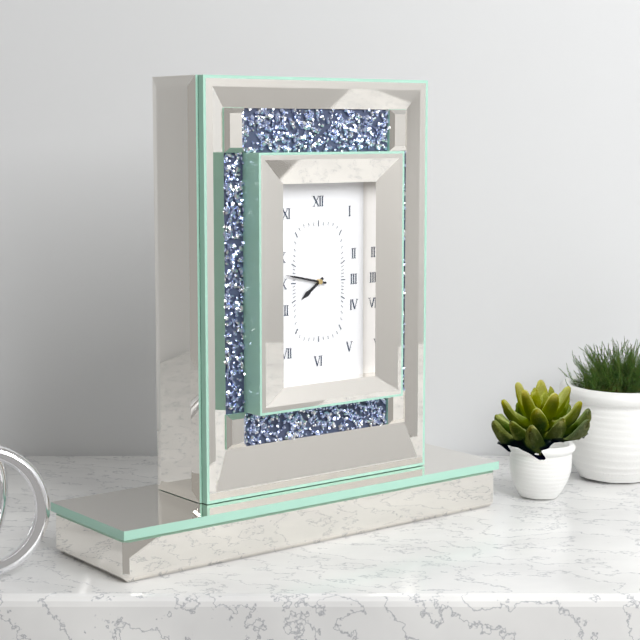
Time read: 7h47
